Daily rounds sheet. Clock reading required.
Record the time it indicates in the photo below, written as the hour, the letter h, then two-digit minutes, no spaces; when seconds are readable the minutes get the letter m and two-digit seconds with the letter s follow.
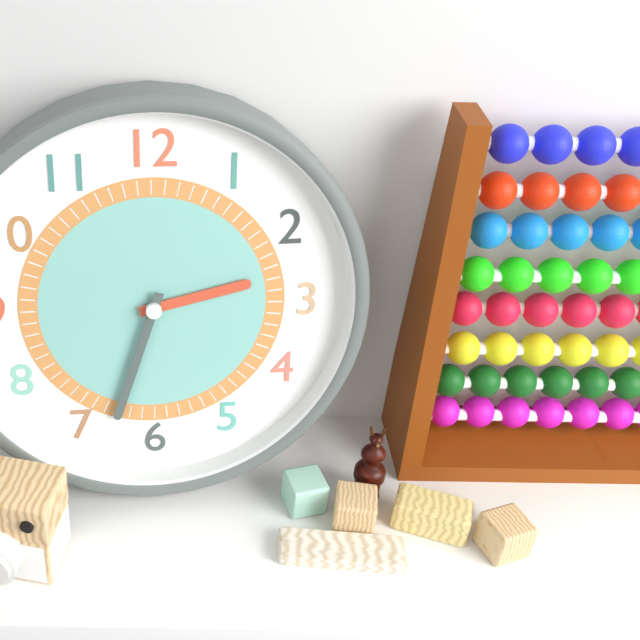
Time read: 2h33
